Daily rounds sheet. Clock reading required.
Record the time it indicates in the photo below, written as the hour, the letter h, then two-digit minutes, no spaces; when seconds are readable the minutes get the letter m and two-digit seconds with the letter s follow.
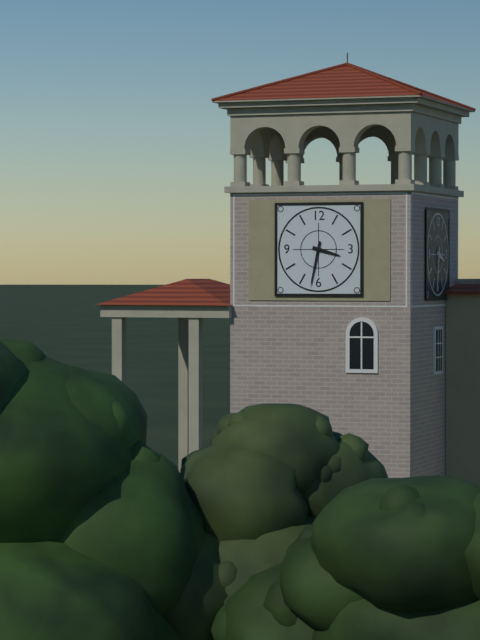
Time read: 3h32
